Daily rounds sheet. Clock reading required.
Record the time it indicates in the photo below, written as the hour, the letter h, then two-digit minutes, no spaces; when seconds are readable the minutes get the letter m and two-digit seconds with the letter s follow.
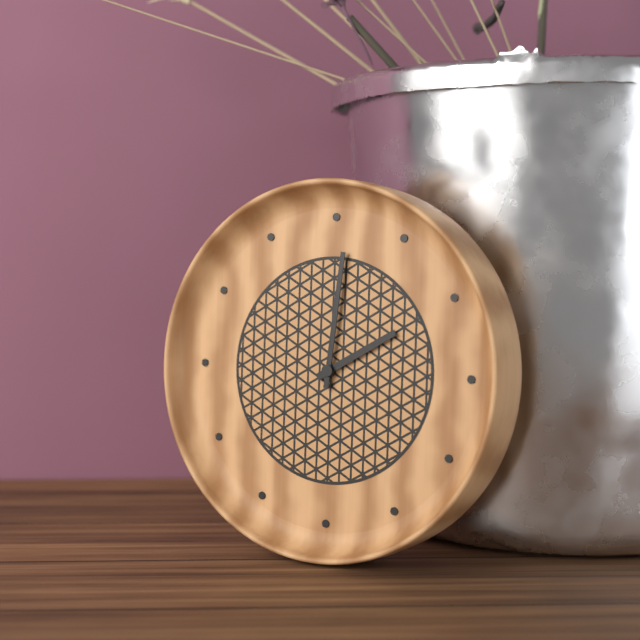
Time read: 2h01
